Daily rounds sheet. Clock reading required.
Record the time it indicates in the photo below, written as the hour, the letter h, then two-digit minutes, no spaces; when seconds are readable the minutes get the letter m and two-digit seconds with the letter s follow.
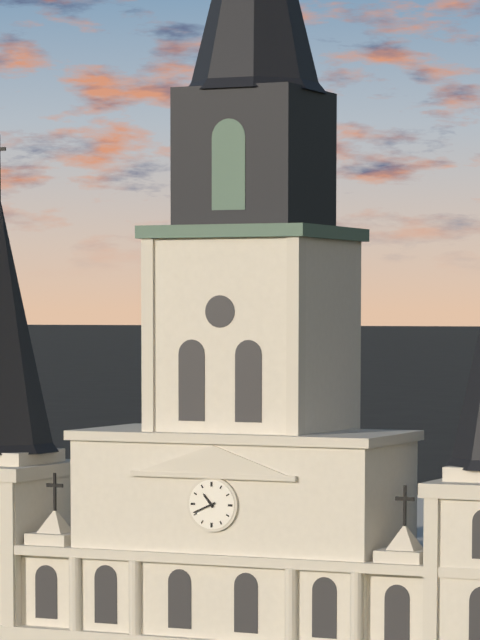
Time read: 10h41
